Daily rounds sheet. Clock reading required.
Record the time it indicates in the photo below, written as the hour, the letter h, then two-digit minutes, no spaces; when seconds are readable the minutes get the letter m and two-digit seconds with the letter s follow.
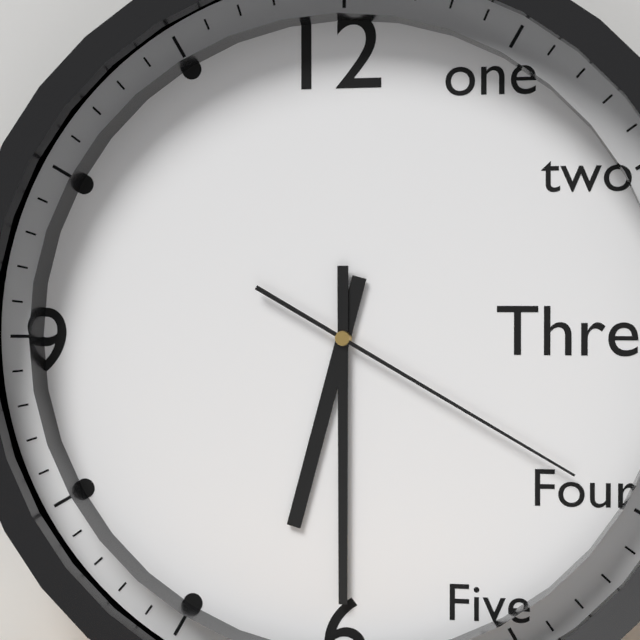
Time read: 6h30m20s
